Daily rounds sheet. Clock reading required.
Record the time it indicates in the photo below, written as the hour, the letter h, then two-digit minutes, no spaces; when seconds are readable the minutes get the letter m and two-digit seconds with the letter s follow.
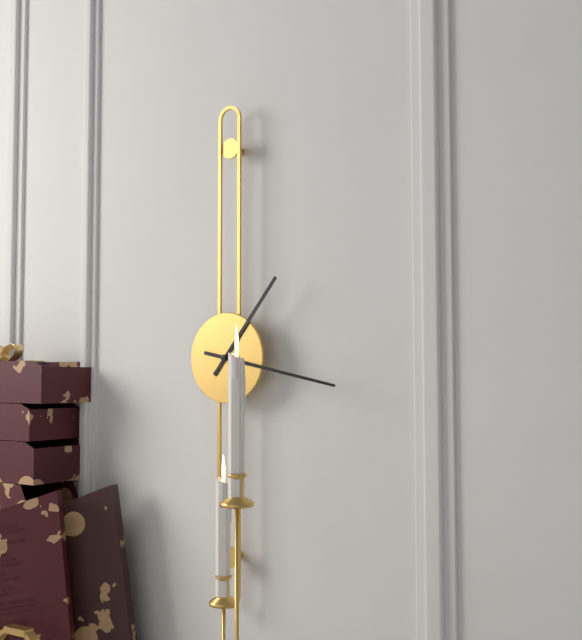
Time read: 1h17
